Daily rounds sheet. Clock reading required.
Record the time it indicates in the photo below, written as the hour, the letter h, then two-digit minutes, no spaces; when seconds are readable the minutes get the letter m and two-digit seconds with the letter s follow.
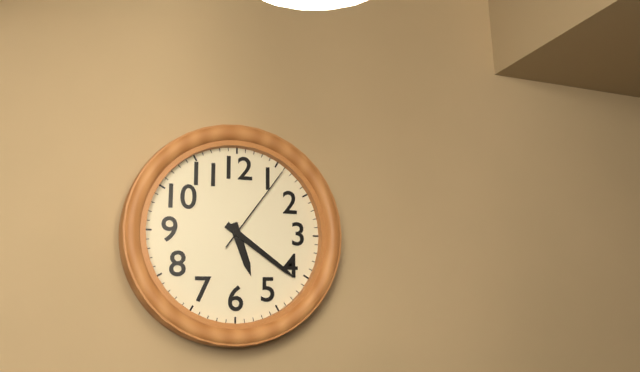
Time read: 5h21m06s
